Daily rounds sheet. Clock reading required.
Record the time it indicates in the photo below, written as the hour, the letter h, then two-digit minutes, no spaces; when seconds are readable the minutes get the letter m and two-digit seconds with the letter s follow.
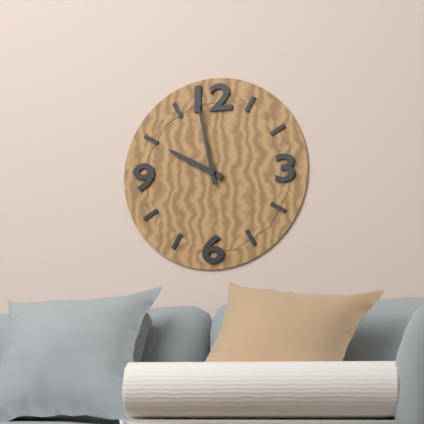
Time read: 9h58
